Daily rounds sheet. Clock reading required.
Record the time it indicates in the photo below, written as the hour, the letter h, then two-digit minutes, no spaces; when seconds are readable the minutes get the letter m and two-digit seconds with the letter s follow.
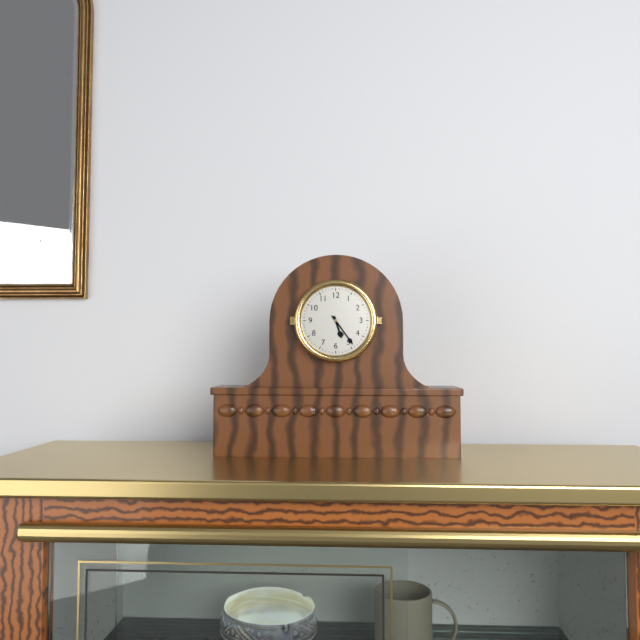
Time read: 5h24
